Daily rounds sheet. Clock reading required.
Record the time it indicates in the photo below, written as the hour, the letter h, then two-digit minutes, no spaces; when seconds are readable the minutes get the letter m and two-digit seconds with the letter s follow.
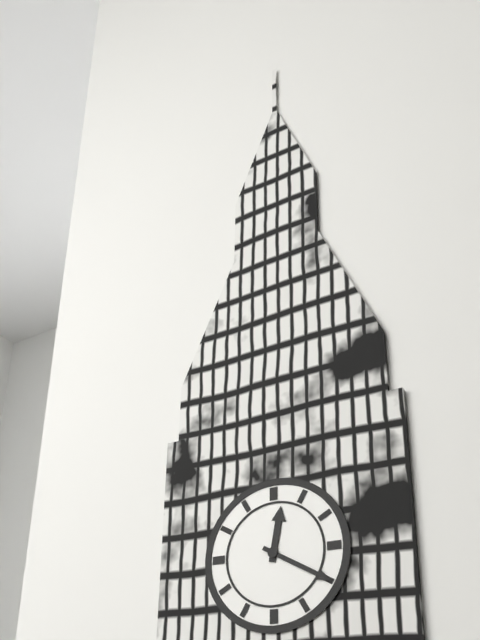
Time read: 12h20
